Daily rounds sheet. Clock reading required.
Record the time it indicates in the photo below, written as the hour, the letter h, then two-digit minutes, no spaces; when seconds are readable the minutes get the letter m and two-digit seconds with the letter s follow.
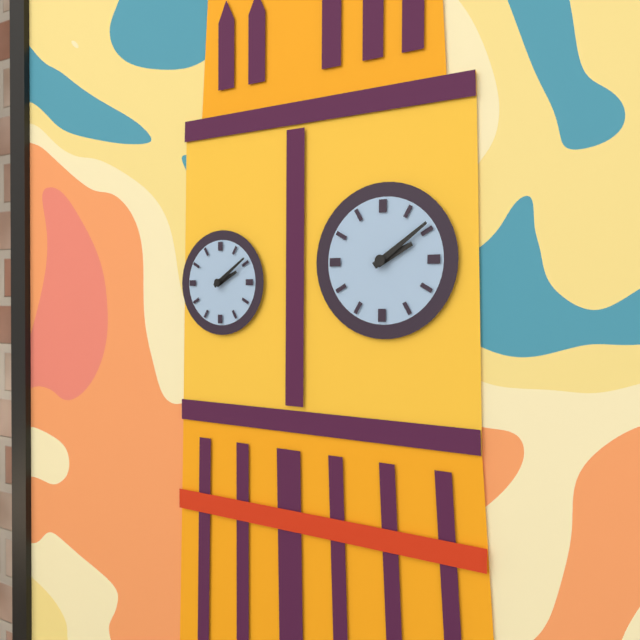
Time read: 2h09
